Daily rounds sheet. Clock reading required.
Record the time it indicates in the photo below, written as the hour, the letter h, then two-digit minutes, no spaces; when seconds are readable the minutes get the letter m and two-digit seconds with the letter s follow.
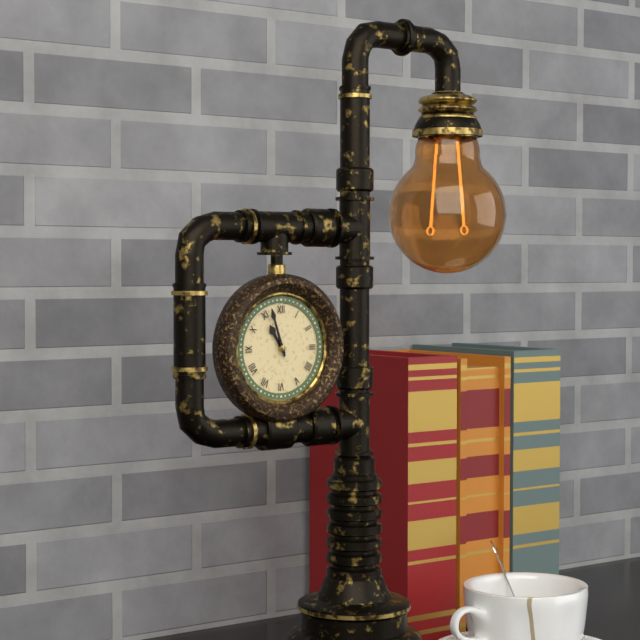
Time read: 10h57
